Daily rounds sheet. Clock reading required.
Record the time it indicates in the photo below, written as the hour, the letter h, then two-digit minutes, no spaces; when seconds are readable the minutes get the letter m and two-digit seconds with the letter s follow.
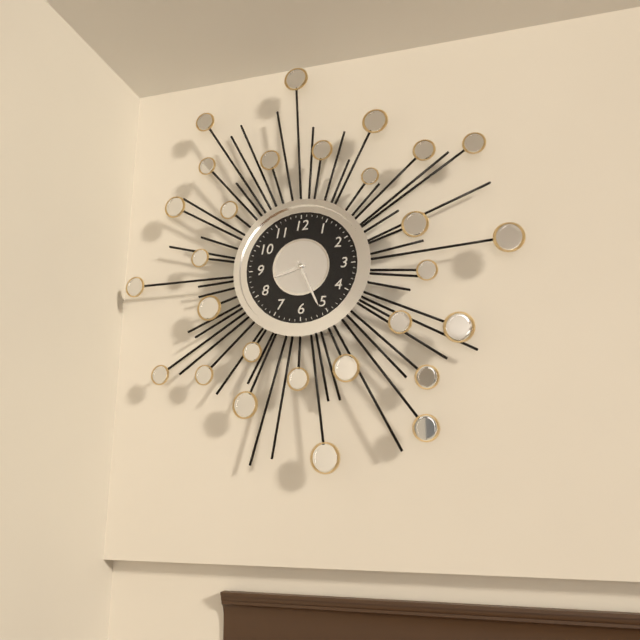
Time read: 8h26
